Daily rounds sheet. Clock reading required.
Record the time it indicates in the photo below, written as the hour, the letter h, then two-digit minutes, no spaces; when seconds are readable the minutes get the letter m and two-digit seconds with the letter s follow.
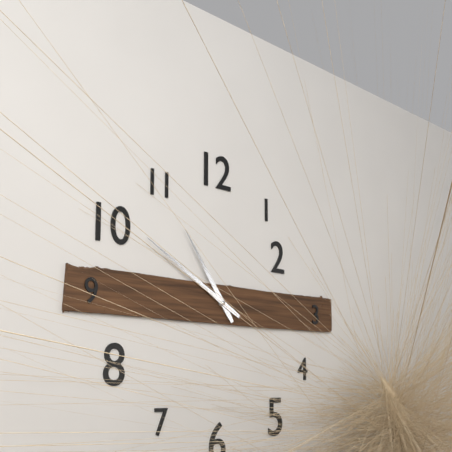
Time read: 10h50
